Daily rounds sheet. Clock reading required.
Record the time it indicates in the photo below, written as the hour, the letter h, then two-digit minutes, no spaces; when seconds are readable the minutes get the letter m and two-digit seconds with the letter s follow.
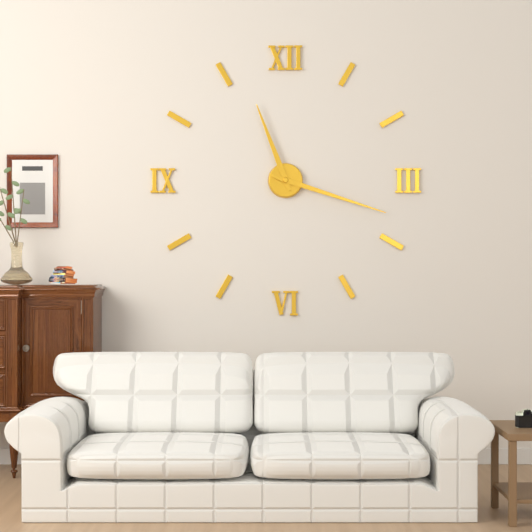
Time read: 11h18
